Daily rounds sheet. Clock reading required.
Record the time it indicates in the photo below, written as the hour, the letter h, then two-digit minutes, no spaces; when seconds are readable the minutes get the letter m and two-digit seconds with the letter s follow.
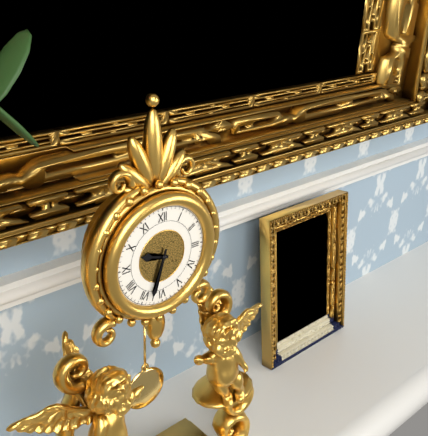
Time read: 9h33
